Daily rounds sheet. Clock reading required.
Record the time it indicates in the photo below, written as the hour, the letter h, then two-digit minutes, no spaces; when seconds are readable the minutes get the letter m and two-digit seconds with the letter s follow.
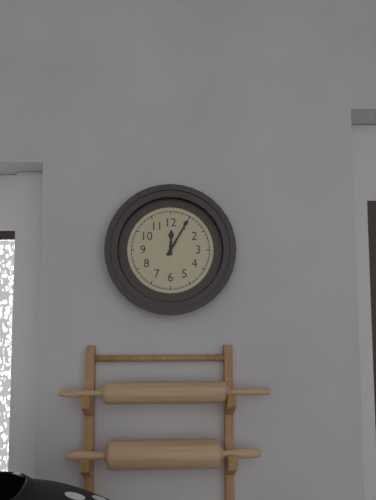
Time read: 12h05
